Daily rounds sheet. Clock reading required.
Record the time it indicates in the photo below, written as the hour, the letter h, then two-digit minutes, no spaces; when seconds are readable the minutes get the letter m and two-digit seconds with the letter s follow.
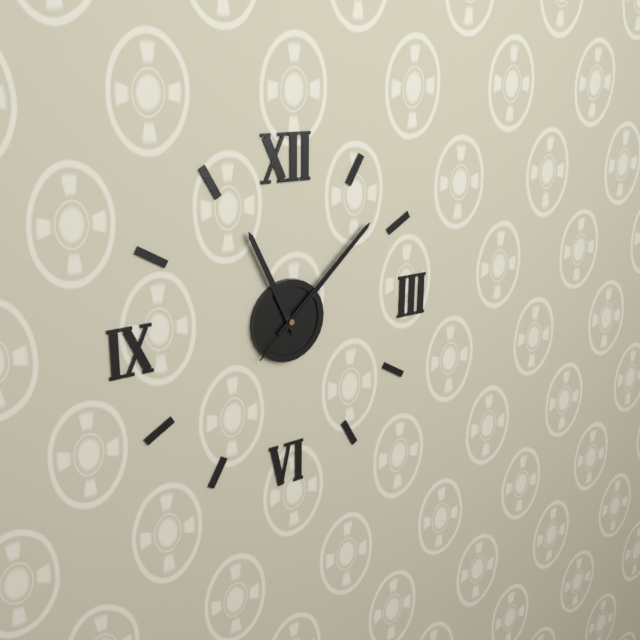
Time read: 11h08m08s
